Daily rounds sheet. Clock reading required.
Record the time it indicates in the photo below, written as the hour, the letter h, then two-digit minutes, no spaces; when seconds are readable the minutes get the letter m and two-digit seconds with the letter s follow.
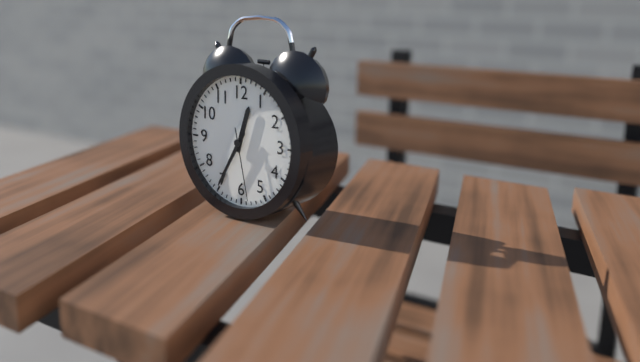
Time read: 12h35m28s
